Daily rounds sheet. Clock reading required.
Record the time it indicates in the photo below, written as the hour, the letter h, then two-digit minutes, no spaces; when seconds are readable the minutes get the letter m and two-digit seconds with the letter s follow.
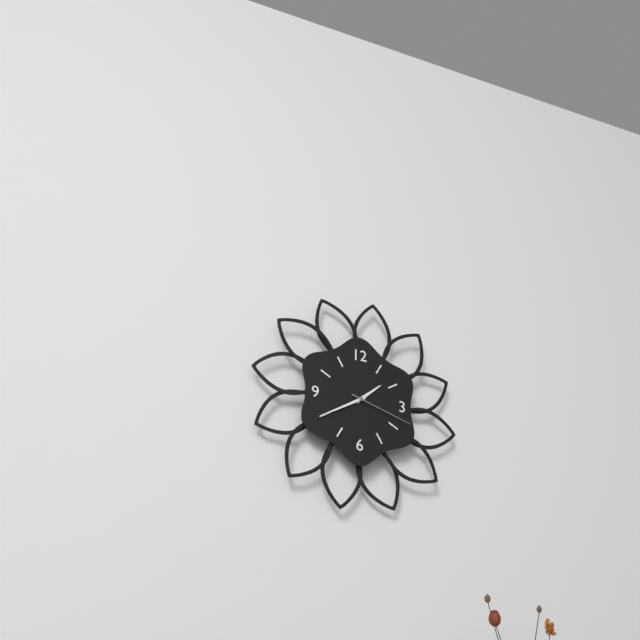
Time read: 1h40m18s
